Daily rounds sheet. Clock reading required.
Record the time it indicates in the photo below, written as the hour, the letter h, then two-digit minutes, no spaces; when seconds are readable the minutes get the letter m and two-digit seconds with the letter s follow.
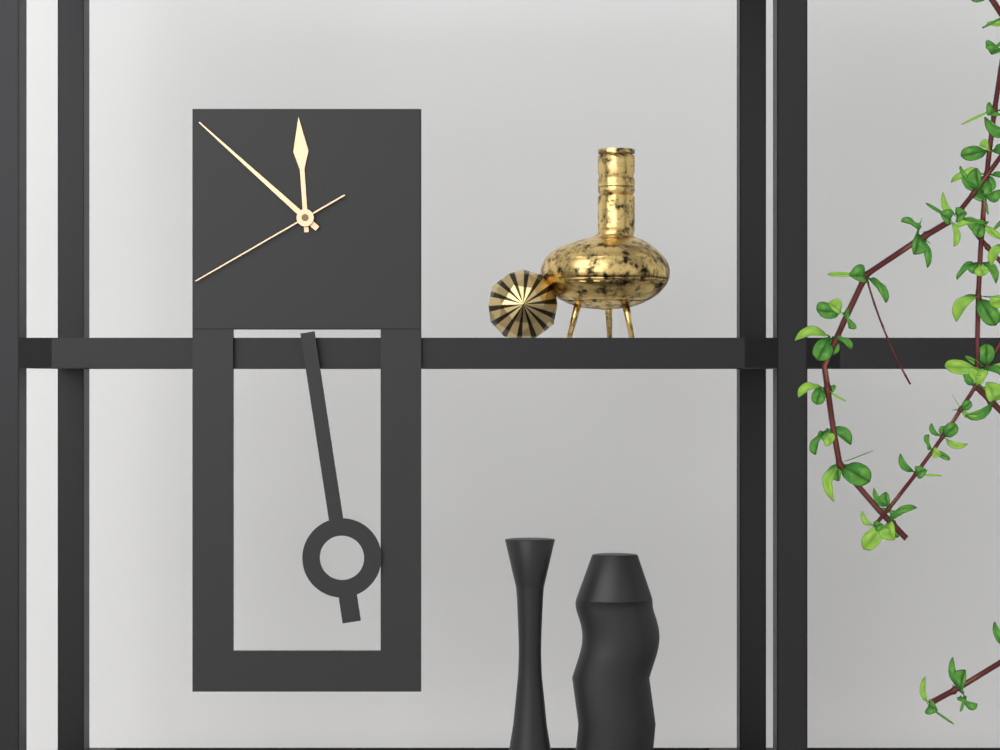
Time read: 11h52m40s
